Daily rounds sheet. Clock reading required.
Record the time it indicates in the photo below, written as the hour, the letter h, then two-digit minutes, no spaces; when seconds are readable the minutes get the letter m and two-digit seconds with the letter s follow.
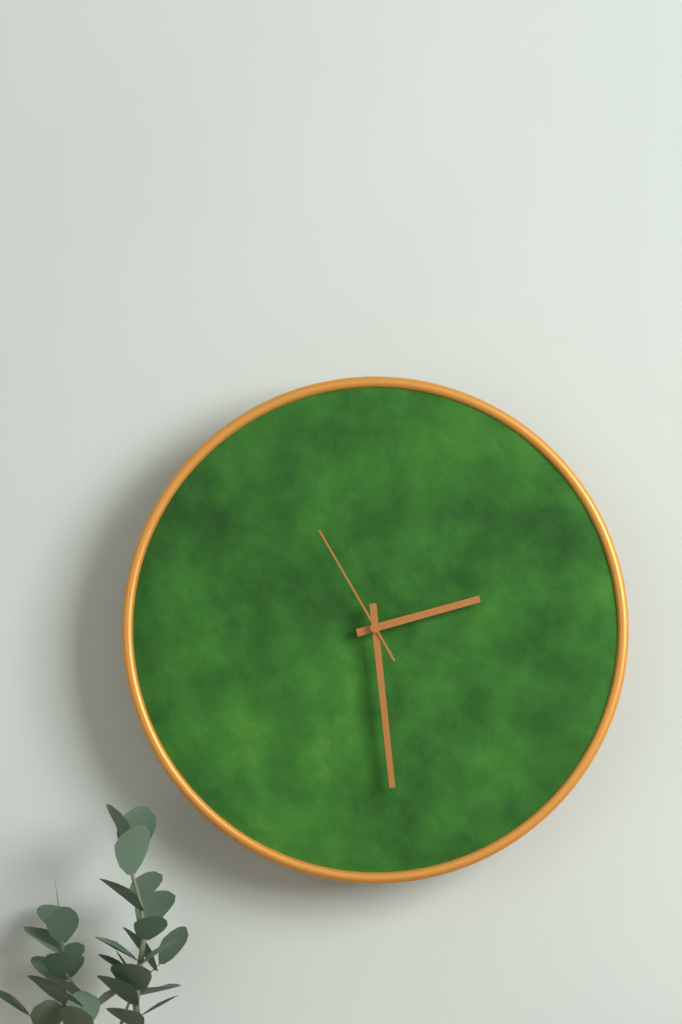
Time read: 2h29m55s
